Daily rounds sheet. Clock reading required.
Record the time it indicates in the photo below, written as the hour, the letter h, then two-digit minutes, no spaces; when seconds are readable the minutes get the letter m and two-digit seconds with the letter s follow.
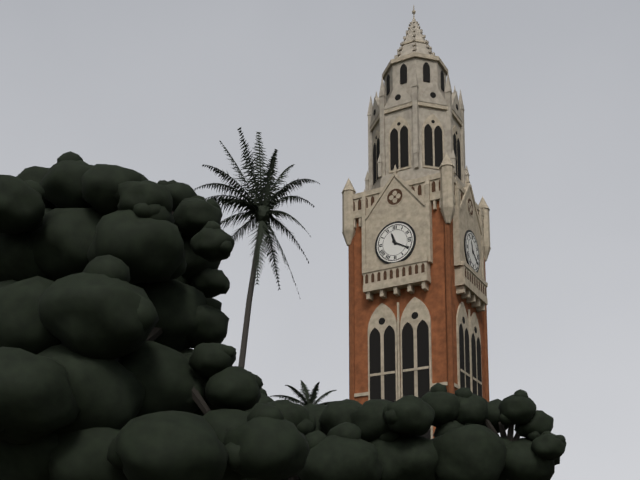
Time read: 11h20
